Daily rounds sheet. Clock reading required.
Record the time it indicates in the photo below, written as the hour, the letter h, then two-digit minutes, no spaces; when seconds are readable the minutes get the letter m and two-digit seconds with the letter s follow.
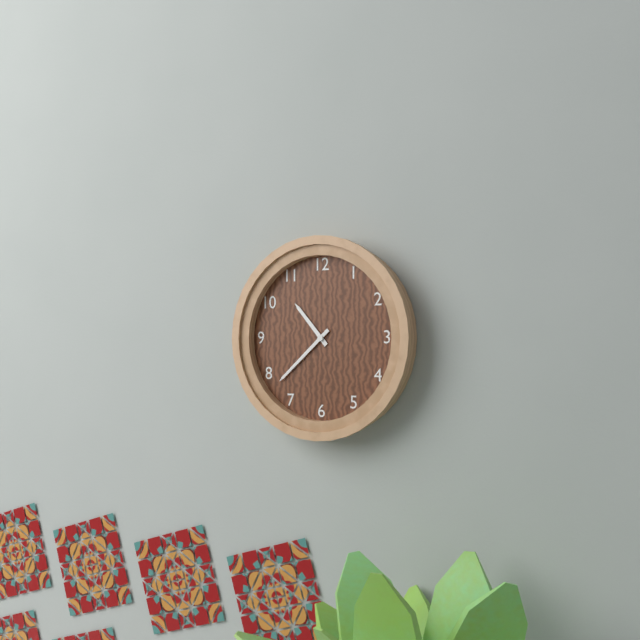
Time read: 10h38
